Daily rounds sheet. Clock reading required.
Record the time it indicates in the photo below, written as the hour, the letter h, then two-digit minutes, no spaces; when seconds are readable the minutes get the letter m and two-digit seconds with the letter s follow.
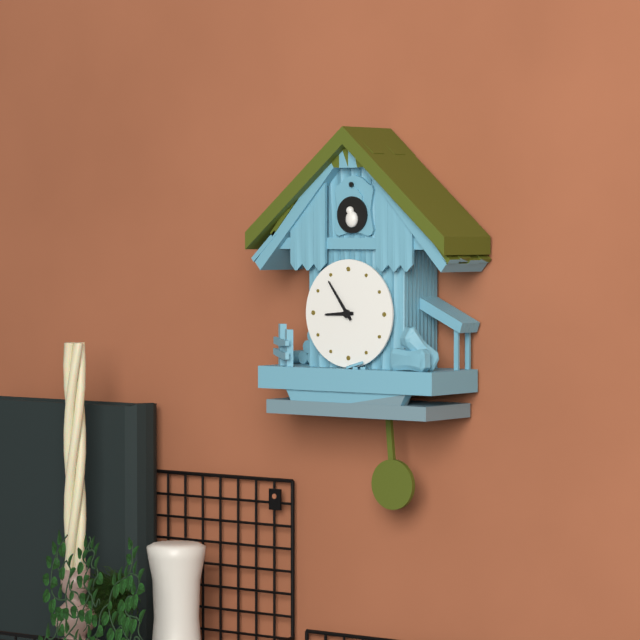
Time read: 8h54
